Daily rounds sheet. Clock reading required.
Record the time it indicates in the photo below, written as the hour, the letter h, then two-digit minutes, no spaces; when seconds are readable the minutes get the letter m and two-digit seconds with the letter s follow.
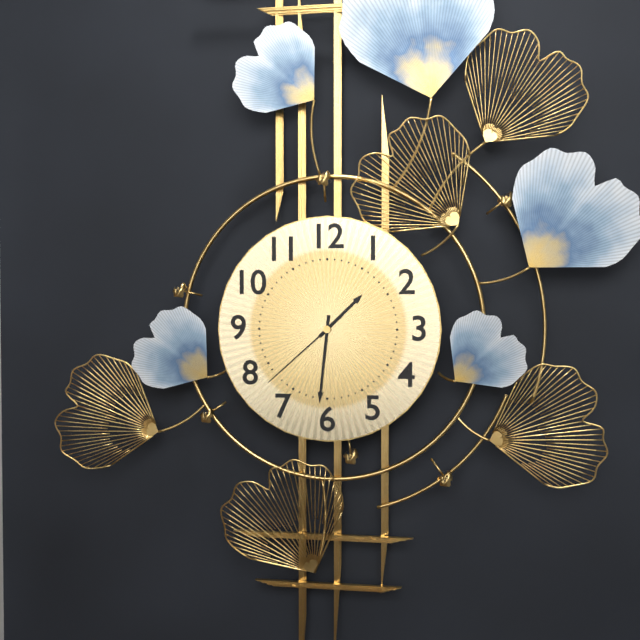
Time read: 1h31m38s
